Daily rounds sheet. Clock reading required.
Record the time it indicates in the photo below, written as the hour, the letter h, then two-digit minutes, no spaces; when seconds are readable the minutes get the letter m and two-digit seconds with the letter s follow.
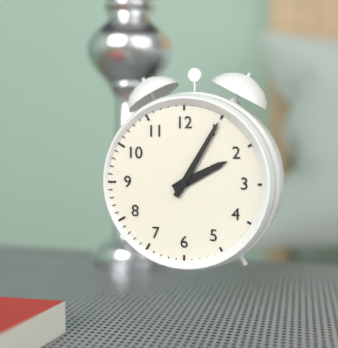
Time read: 2h05
